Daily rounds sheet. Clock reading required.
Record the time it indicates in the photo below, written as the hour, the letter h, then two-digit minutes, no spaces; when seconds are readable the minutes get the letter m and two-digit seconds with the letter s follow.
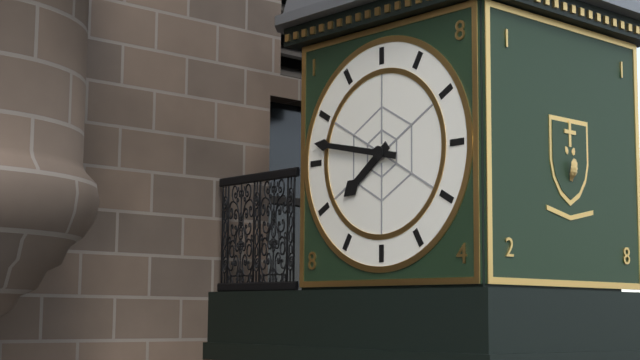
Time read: 7h47
